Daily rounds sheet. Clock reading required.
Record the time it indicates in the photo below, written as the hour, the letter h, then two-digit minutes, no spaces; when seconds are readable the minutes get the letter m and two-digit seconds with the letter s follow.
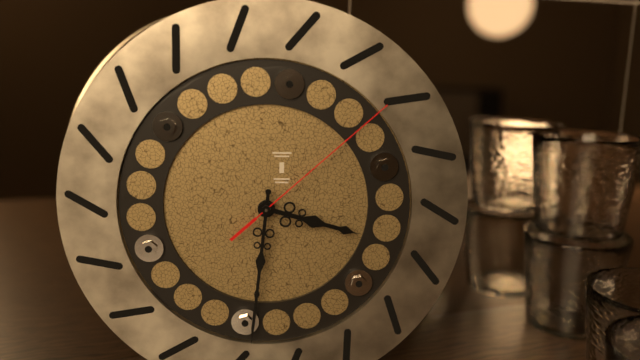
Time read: 3h31m08s
